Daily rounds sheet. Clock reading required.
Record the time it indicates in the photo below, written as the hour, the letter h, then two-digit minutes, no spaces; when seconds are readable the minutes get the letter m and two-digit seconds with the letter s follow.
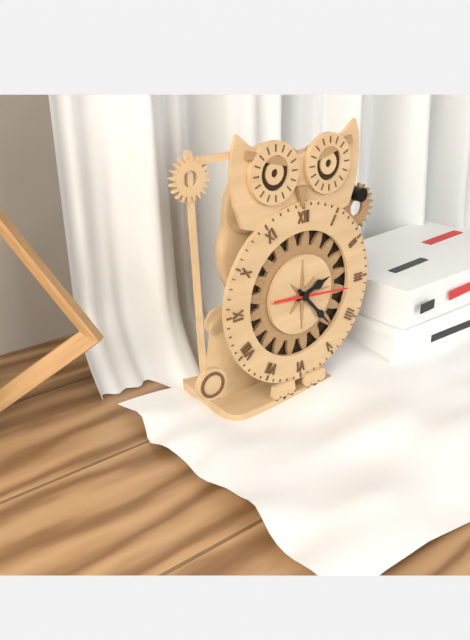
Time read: 2h23m16s
